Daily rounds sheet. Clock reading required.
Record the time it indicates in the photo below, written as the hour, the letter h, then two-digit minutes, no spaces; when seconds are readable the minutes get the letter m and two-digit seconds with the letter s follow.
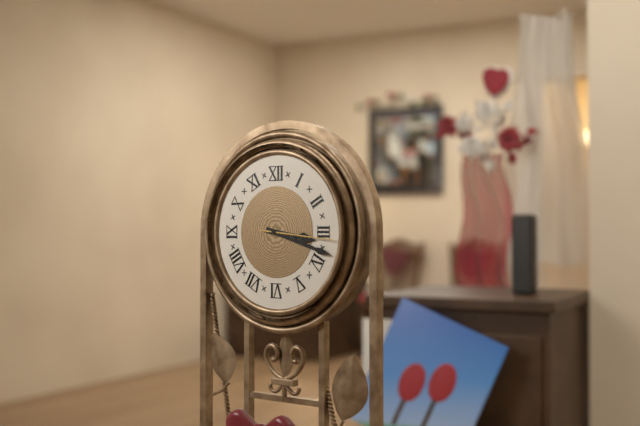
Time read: 3h18m16s
